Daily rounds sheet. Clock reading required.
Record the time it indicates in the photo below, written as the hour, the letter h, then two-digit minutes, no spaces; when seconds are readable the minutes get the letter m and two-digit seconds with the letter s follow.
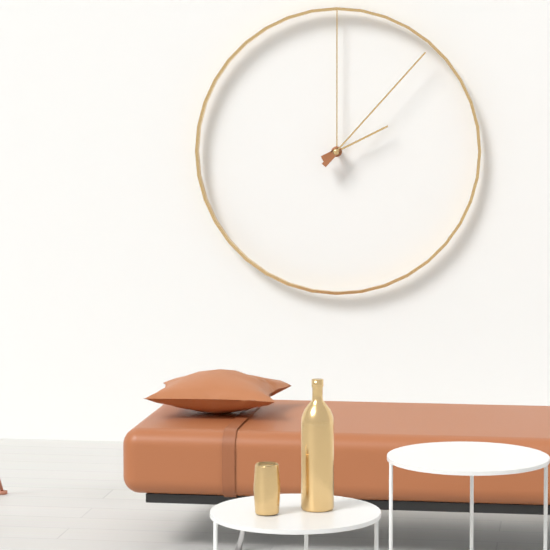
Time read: 2h07
